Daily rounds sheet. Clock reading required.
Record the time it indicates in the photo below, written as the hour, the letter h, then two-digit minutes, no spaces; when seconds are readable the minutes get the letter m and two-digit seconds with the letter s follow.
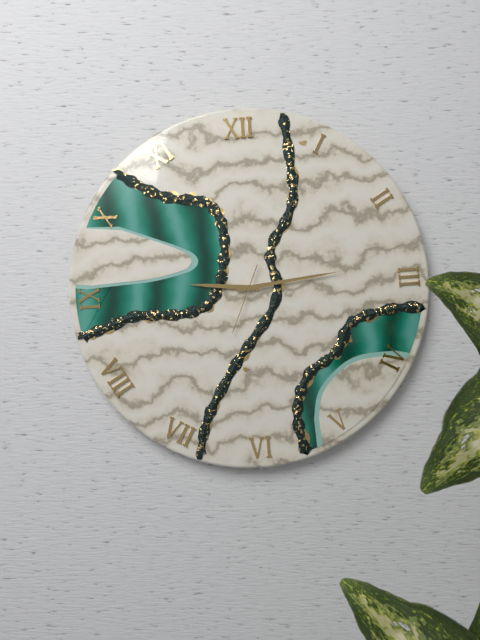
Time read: 9h14m34s
